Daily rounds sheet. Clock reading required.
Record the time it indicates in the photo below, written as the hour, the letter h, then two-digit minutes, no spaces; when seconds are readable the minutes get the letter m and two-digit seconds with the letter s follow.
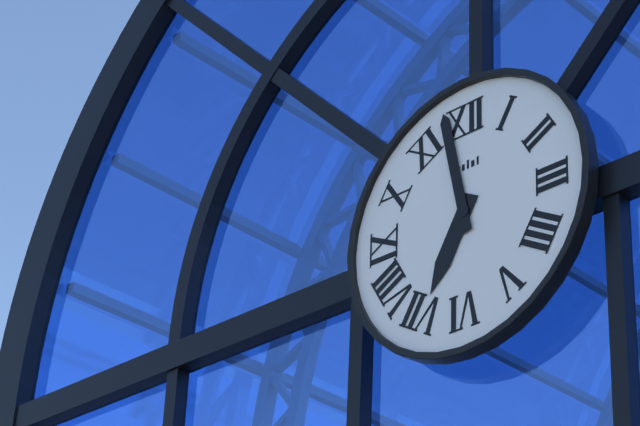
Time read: 6h58
